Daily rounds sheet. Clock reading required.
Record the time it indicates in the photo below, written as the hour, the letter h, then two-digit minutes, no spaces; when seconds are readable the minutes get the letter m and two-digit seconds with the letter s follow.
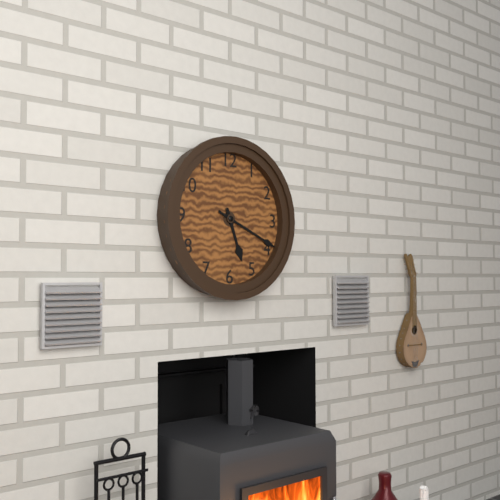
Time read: 5h19
